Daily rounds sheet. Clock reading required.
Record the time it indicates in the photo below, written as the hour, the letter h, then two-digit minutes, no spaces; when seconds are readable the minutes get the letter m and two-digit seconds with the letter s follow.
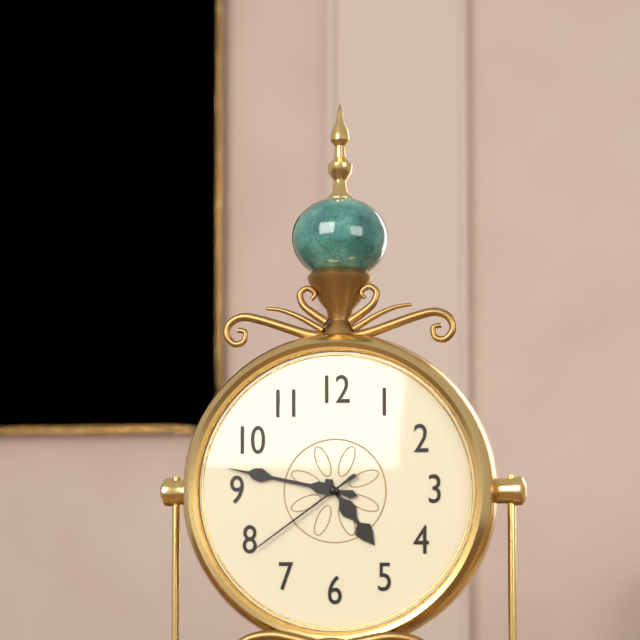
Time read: 4h47m39s
